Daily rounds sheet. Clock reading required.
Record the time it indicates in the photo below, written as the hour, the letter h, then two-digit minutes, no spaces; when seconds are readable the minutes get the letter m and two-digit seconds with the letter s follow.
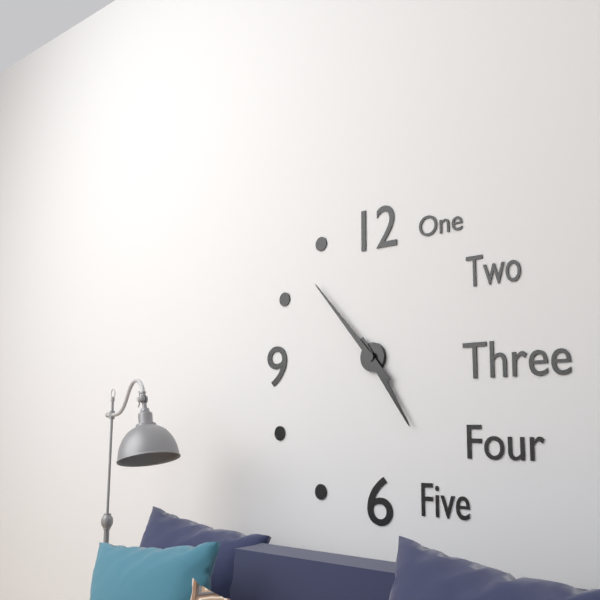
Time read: 4h53
